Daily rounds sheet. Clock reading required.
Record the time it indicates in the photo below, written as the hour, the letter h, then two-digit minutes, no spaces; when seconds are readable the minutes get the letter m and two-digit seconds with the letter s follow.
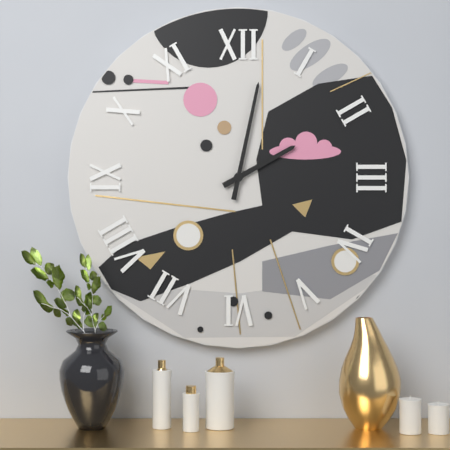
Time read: 2h02
